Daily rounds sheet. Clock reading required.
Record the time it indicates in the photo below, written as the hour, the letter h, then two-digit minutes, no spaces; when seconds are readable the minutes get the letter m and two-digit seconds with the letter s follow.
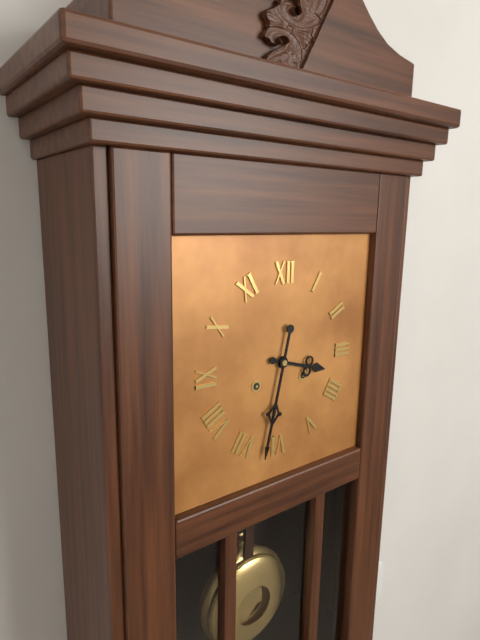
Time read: 3h32
